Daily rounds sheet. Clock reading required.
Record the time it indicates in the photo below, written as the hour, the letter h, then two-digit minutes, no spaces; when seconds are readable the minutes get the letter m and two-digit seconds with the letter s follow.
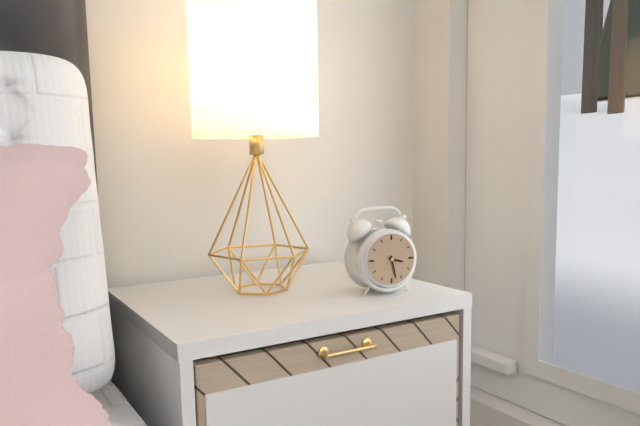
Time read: 3h28
